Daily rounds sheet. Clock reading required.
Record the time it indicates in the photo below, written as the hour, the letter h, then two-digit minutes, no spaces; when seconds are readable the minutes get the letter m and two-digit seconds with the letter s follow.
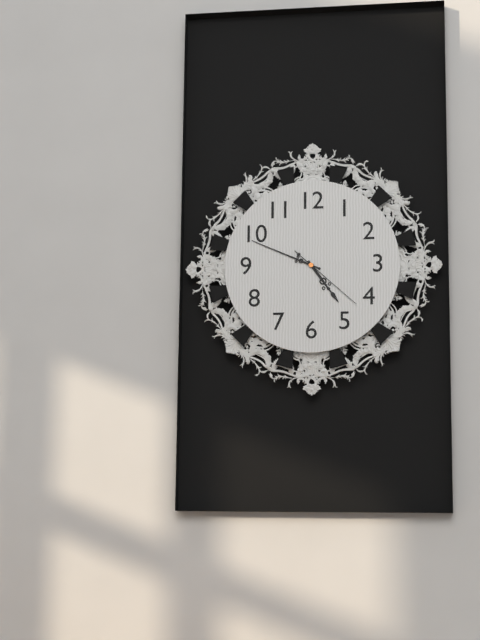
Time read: 4h49m22s
